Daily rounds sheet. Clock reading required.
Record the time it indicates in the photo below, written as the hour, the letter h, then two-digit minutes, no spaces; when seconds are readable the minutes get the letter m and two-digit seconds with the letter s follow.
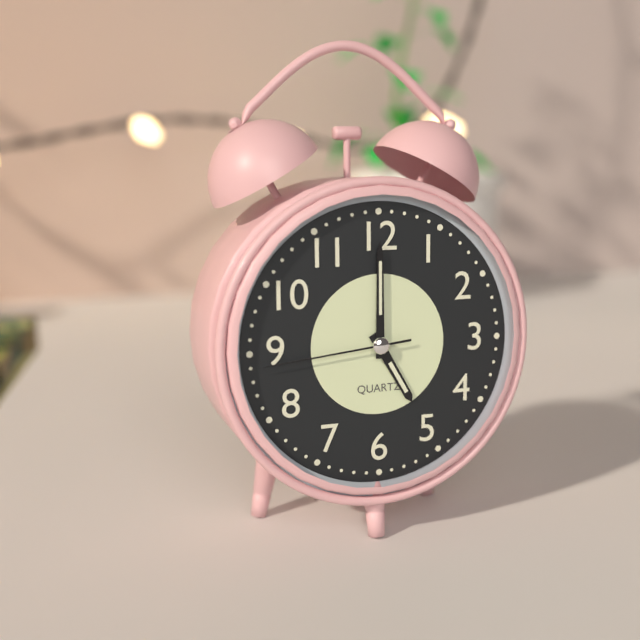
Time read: 5h00m44s
